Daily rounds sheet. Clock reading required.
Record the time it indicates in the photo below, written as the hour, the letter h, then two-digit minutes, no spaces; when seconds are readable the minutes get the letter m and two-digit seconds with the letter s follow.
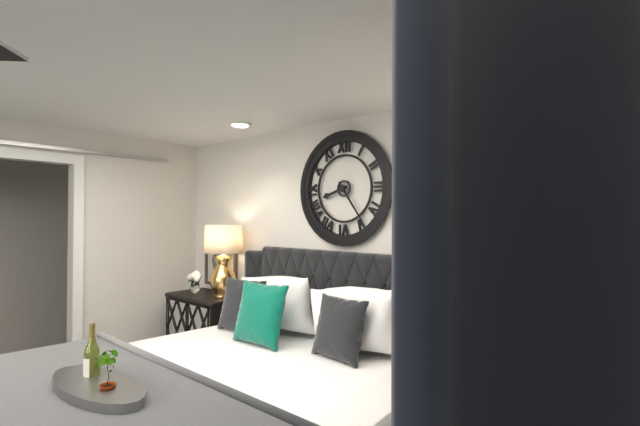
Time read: 8h24
